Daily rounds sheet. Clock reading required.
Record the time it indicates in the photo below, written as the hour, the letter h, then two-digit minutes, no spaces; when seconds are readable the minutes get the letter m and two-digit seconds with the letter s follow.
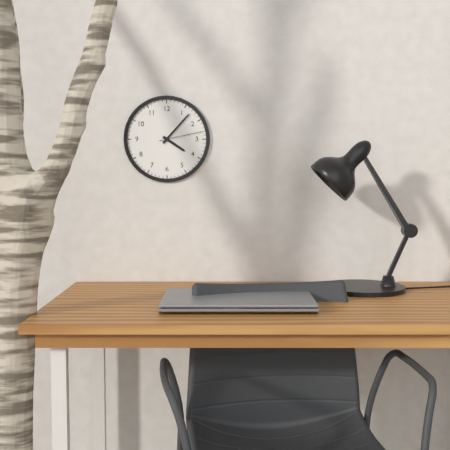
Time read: 4h07
